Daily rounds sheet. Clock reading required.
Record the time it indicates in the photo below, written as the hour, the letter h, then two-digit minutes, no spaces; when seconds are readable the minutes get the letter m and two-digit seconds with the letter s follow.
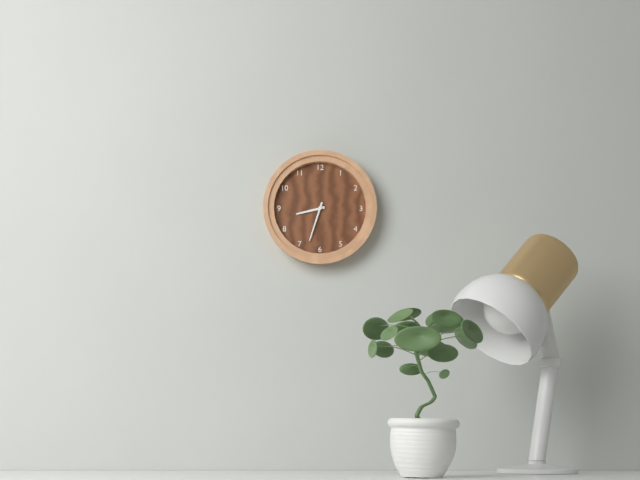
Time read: 8h33
